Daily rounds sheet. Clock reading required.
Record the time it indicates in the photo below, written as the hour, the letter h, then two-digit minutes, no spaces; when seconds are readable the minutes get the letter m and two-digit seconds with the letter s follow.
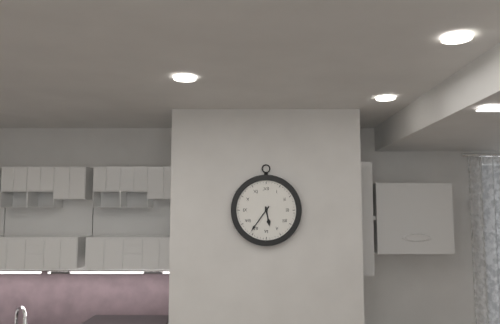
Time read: 5h36
